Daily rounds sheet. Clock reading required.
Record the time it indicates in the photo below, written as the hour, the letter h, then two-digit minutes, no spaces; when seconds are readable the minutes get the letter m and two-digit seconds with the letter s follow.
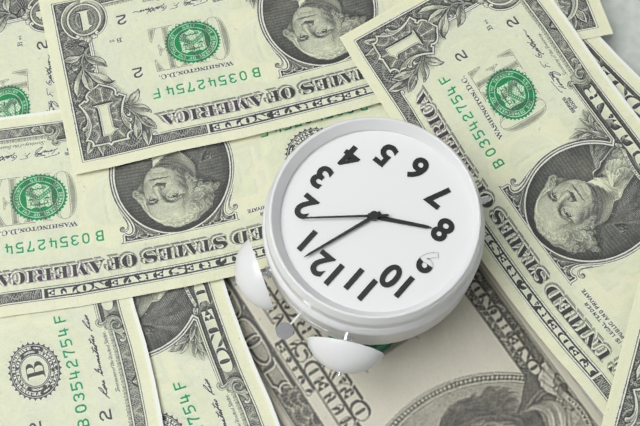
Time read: 8h03m08s
